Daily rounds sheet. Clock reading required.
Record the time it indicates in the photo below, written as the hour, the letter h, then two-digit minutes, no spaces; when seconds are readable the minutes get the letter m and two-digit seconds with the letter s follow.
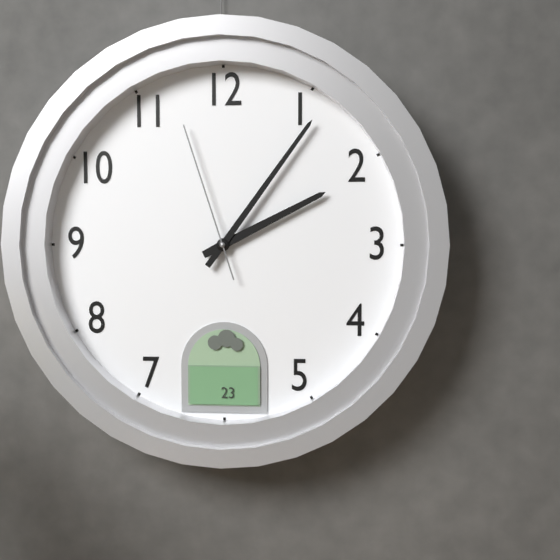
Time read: 2h06m57s
